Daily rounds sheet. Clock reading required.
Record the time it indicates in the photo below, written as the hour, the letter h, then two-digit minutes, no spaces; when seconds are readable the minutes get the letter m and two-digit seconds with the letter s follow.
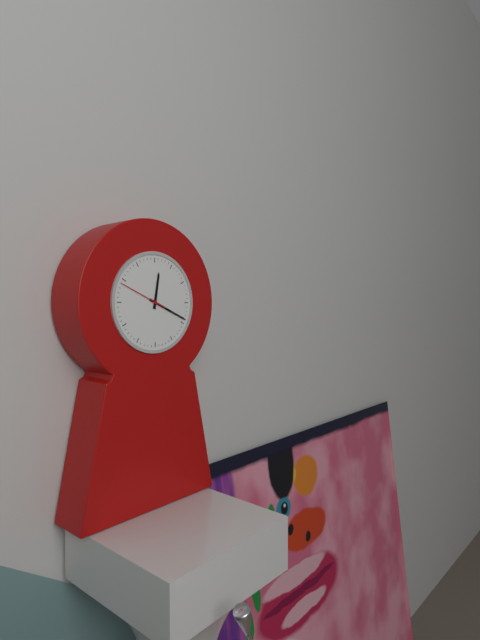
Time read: 12h19m49s
